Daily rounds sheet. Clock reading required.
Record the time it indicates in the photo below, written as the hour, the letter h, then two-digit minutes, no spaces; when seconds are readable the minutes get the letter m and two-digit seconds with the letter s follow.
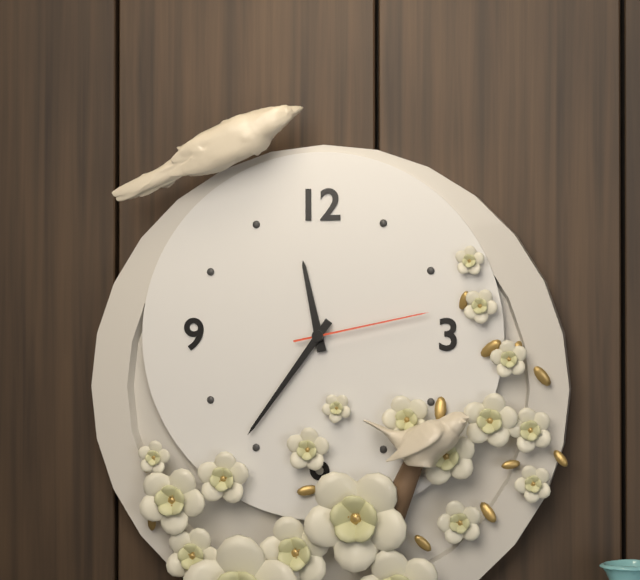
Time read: 11h36m13s
